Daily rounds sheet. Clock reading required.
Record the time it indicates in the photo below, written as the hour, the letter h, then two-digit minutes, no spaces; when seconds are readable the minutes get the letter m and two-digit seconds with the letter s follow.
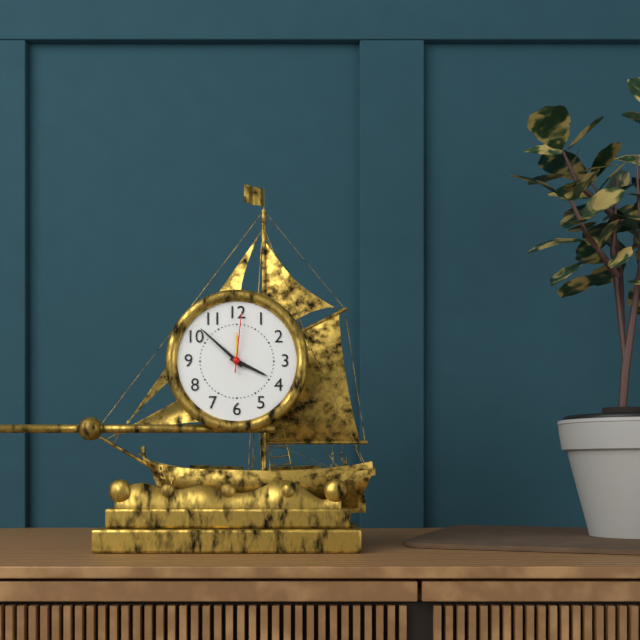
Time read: 3h52m01s
